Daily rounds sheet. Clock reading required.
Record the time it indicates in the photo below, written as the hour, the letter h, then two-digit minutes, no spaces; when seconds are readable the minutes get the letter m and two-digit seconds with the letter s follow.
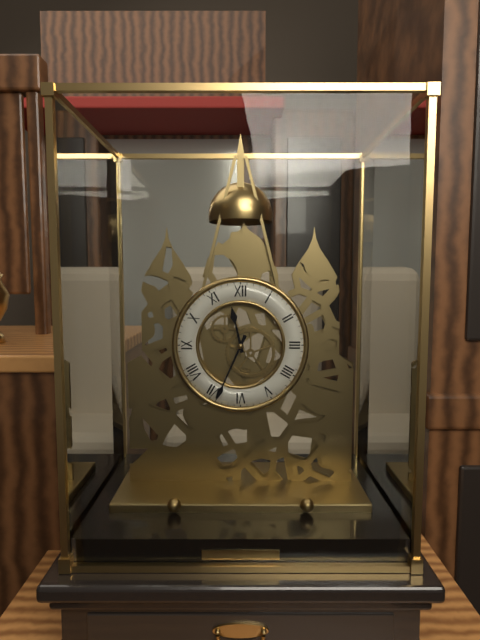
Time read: 11h34
